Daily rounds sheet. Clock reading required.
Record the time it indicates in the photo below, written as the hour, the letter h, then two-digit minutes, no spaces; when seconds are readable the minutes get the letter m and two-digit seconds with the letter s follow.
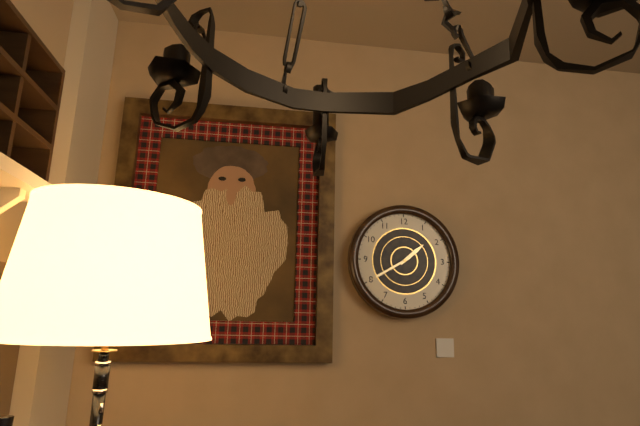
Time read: 1h40
